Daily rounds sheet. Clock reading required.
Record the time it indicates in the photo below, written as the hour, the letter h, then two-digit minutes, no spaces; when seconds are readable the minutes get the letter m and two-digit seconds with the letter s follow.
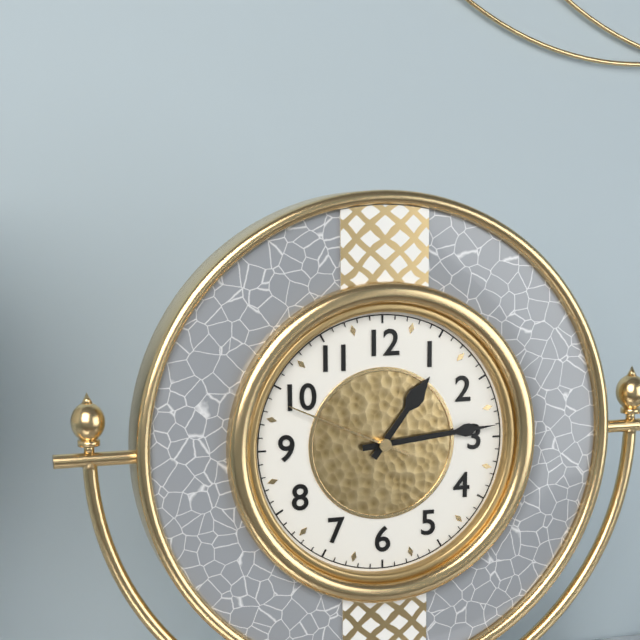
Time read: 1h14m49s
